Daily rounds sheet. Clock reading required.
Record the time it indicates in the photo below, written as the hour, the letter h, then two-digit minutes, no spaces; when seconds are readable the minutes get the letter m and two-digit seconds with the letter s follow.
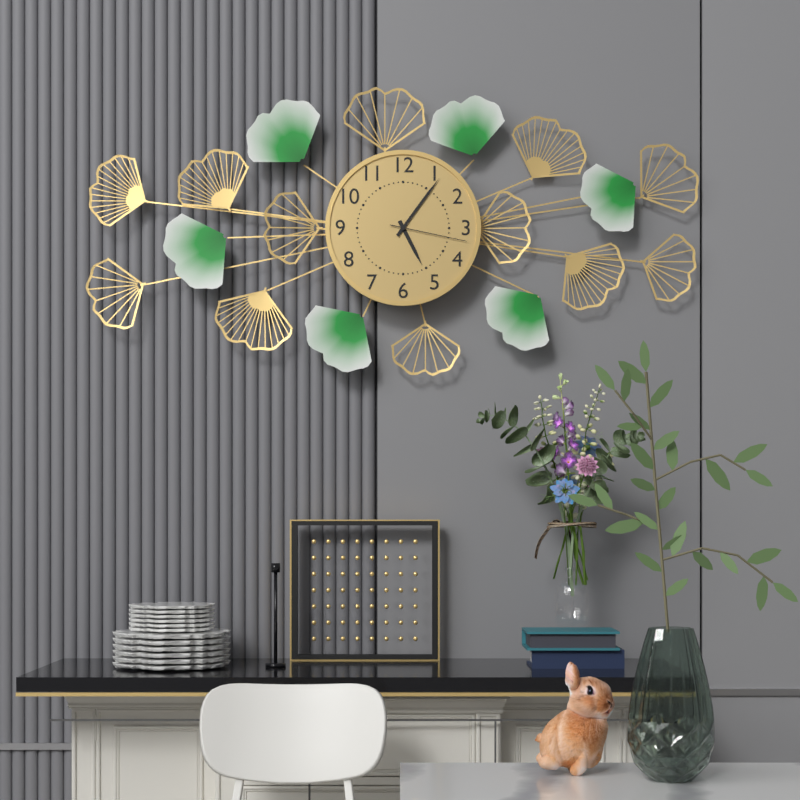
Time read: 5h06m17s
